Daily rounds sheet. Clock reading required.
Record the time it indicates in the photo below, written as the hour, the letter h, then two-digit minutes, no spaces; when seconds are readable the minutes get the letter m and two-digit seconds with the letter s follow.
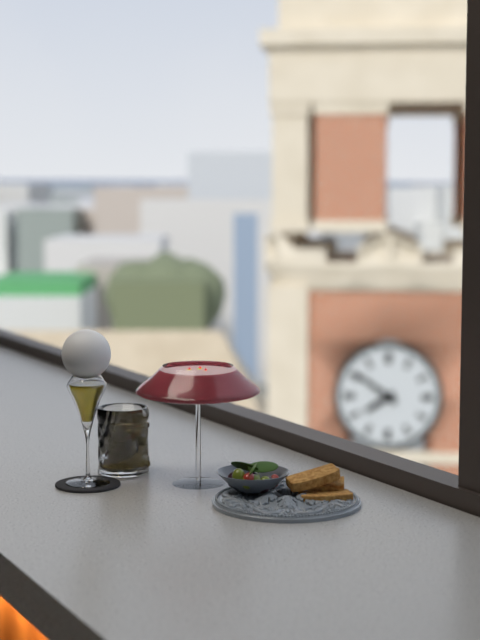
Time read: 7h51
